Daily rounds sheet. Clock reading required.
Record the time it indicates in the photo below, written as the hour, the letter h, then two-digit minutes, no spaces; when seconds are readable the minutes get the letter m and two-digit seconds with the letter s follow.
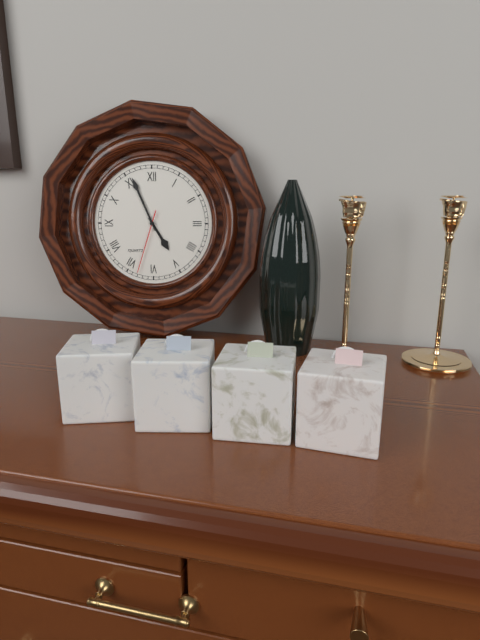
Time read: 4h56m33s
